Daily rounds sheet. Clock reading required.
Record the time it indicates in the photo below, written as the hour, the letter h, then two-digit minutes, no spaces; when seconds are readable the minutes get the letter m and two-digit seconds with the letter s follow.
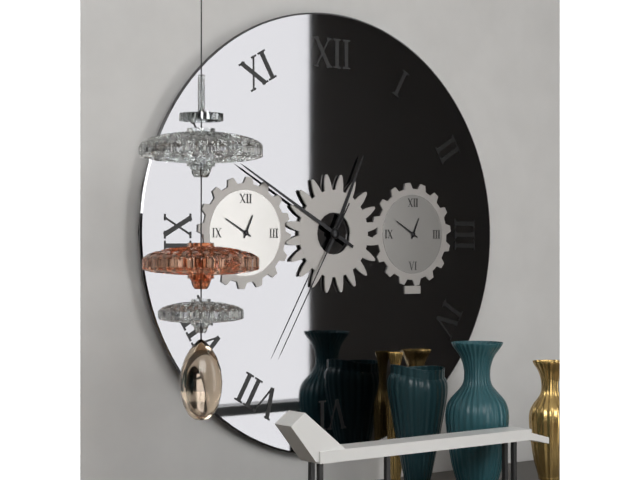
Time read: 12h50m35s
